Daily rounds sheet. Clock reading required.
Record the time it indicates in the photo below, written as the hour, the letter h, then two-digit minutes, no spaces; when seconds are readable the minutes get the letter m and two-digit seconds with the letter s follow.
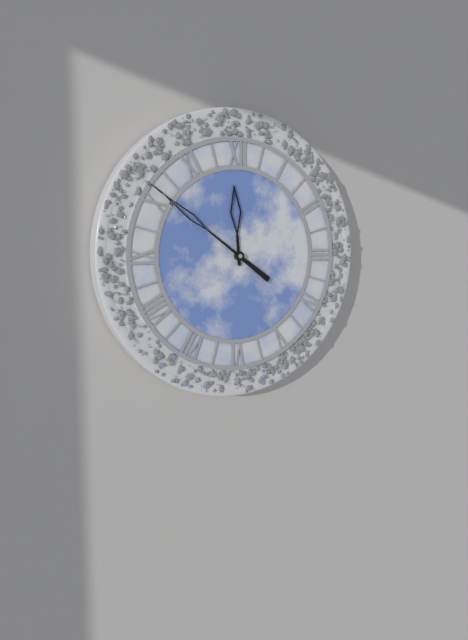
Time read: 11h51
